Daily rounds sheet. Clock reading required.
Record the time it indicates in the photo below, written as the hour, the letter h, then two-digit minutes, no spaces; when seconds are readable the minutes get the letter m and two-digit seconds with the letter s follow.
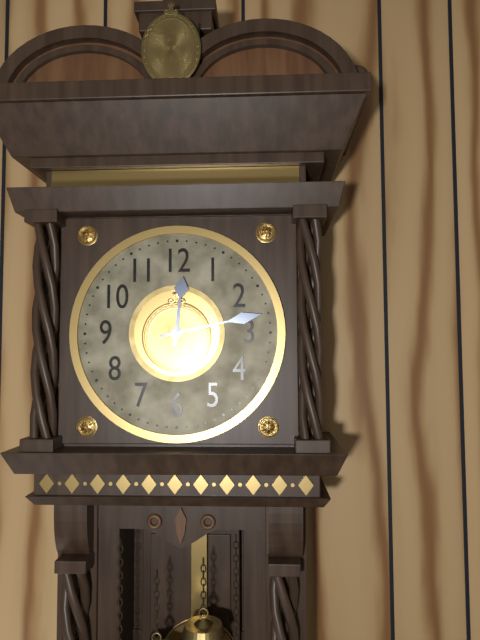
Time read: 12h13
